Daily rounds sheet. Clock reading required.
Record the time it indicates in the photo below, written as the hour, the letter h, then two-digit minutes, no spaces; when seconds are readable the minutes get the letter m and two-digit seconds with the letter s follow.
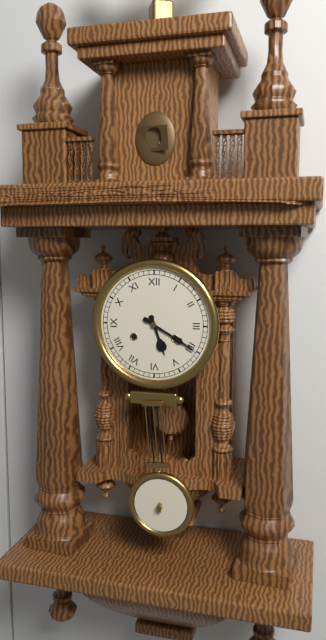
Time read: 5h20
